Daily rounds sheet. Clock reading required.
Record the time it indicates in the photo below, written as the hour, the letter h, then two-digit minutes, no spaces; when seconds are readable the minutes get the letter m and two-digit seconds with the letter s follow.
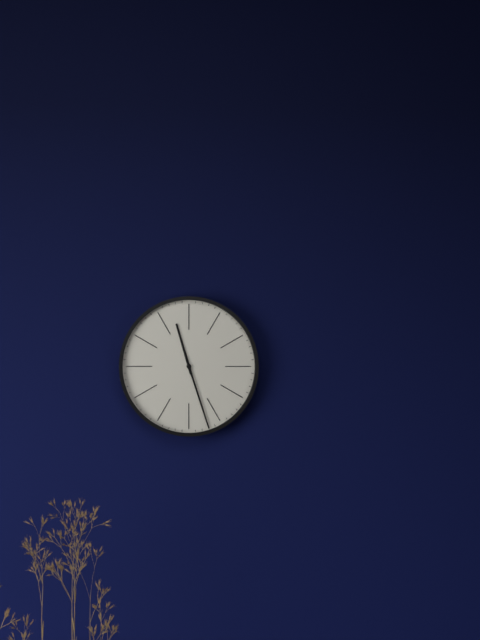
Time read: 11h27
